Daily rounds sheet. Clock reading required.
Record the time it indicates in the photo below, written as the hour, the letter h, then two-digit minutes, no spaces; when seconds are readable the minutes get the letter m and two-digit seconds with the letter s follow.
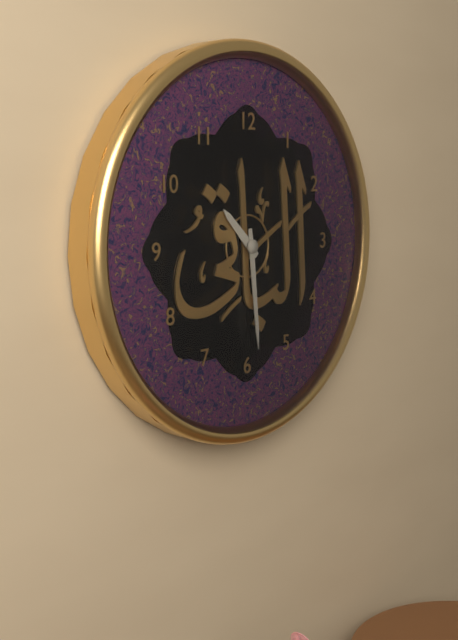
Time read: 10h29
